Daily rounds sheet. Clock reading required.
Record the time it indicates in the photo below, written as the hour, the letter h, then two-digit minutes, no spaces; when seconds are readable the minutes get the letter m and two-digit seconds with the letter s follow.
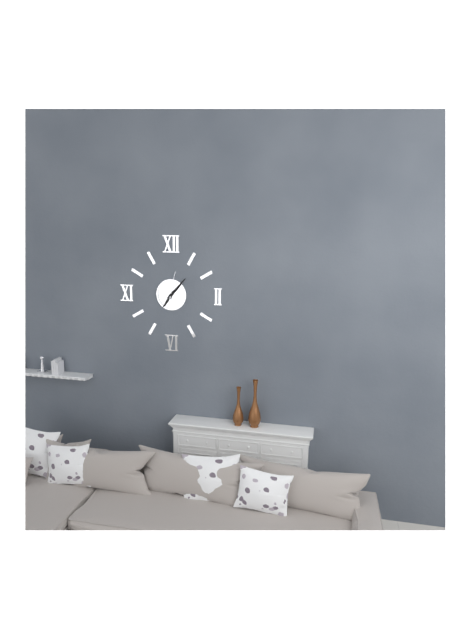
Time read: 7h07
